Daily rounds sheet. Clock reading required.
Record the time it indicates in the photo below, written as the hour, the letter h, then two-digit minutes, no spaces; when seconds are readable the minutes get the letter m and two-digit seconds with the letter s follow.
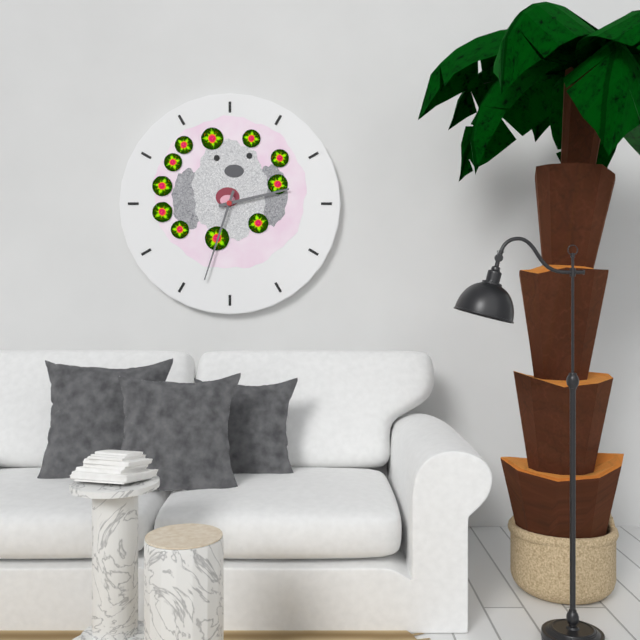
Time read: 2h33
